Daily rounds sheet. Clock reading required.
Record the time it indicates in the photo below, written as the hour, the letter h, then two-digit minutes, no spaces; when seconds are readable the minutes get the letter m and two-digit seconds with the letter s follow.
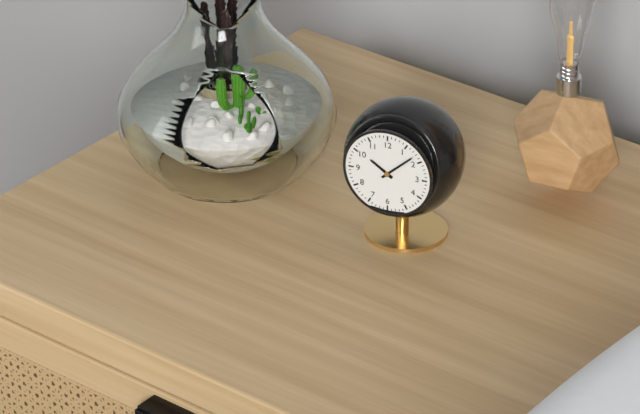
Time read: 10h08
